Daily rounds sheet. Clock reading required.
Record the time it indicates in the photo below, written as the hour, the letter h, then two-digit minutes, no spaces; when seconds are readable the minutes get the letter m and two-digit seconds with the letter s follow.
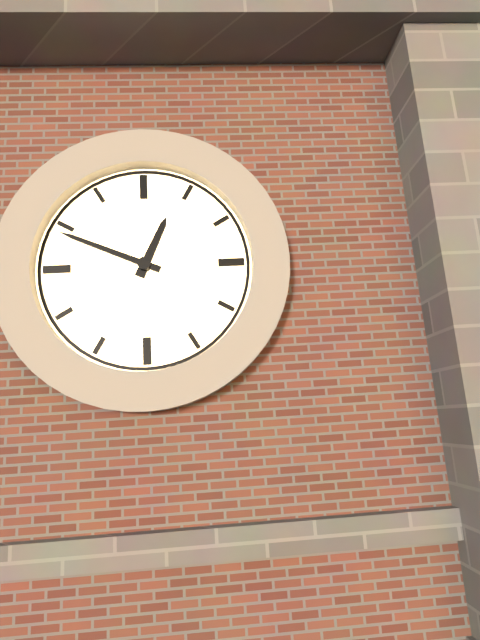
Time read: 12h49
